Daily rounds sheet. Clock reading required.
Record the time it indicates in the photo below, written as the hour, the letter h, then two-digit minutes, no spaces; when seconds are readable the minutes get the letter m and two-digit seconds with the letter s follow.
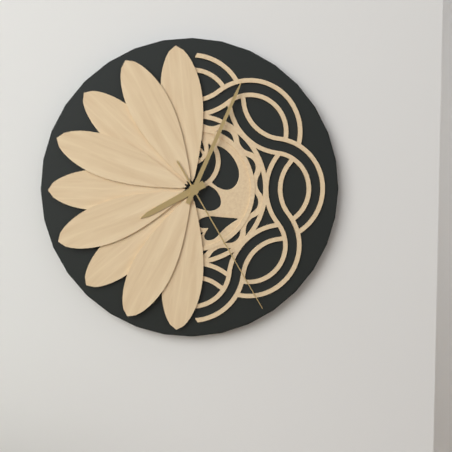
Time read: 8h04m25s
